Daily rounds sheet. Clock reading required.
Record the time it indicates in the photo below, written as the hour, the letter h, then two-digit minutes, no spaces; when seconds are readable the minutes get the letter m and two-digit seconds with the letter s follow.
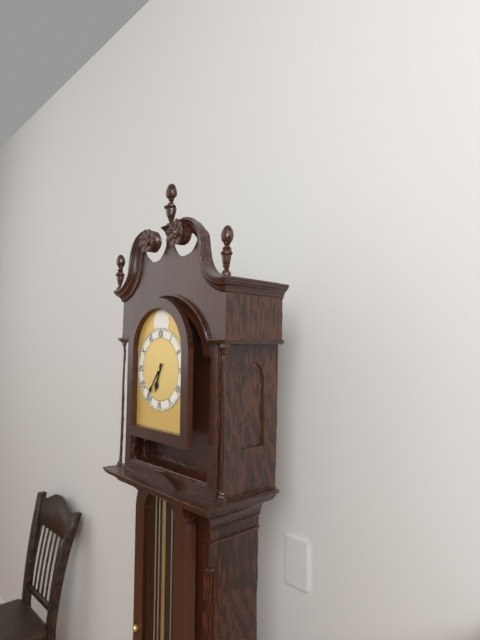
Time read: 6h36
